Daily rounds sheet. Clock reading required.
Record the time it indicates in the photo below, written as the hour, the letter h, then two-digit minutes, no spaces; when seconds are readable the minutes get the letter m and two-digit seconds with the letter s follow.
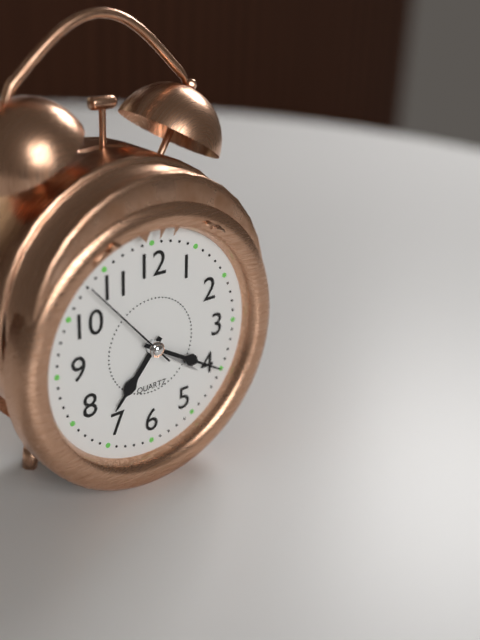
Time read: 7h20m53s
